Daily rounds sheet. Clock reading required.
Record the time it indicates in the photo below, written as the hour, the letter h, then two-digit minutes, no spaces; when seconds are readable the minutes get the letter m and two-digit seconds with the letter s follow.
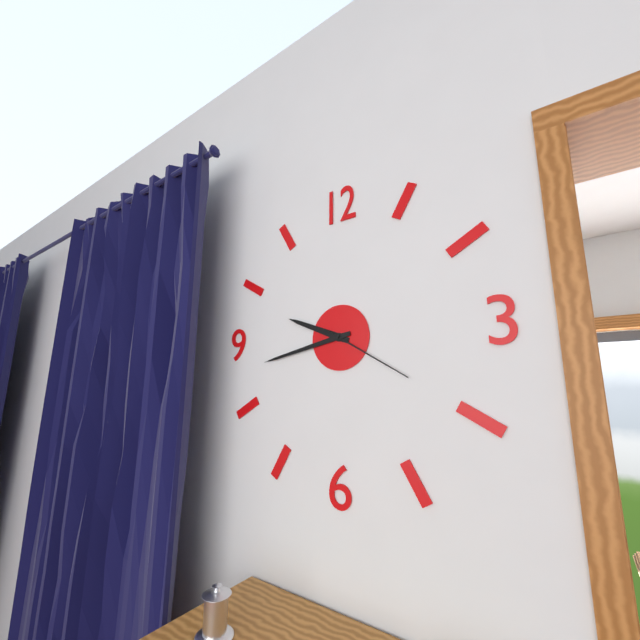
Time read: 9h43m20s
